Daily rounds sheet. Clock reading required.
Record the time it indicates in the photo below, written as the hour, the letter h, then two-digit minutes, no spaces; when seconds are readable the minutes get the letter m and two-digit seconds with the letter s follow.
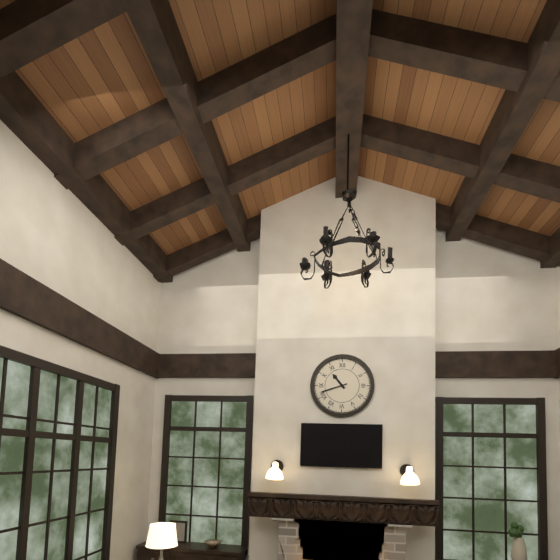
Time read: 10h42
